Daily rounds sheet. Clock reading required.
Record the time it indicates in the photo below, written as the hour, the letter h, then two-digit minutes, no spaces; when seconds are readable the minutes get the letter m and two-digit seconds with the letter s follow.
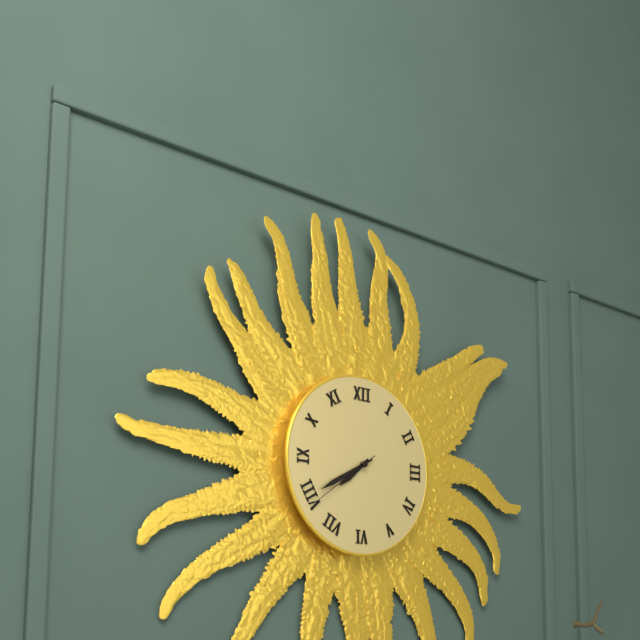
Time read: 7h40m39s
